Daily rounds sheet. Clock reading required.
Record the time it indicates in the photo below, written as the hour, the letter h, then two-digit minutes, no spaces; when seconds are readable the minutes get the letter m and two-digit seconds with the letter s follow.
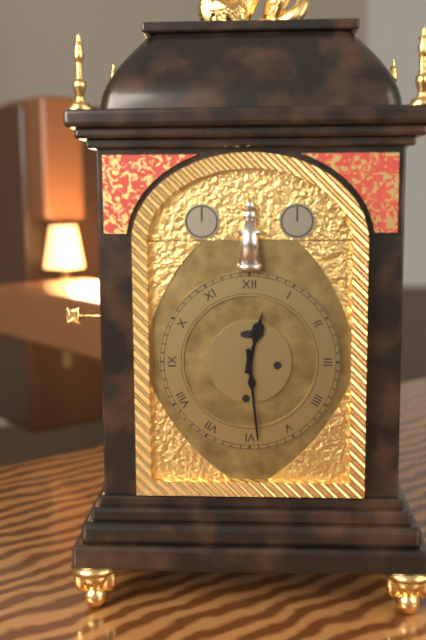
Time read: 12h29
